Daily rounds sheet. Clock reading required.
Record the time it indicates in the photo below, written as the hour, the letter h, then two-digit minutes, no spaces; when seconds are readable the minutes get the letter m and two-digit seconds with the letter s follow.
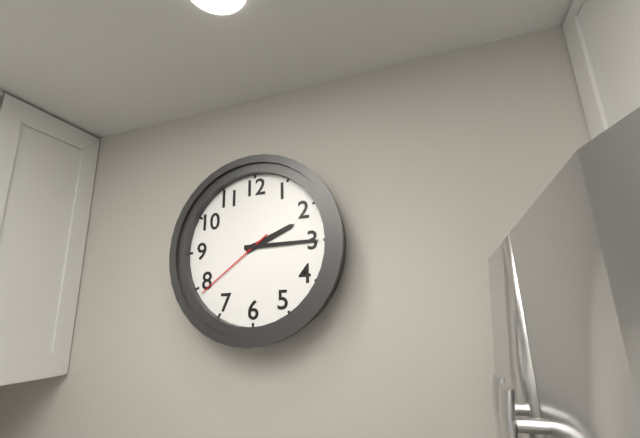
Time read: 2h15m39s
